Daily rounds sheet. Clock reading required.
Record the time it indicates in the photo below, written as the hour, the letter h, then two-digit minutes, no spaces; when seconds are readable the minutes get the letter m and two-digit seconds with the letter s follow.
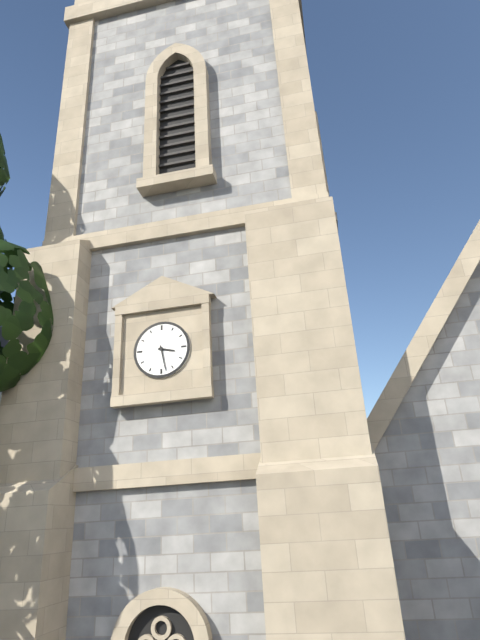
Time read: 3h28
